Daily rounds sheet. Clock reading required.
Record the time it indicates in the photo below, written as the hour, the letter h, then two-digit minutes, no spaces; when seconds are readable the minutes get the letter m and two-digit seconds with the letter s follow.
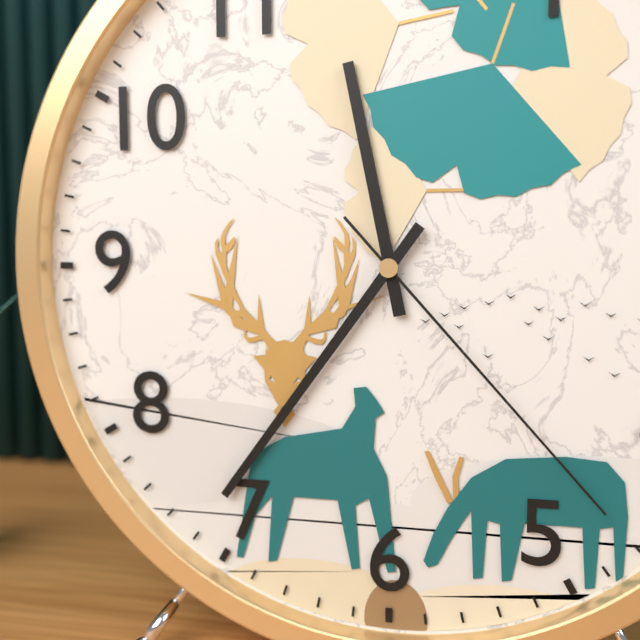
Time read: 11h36m23s
